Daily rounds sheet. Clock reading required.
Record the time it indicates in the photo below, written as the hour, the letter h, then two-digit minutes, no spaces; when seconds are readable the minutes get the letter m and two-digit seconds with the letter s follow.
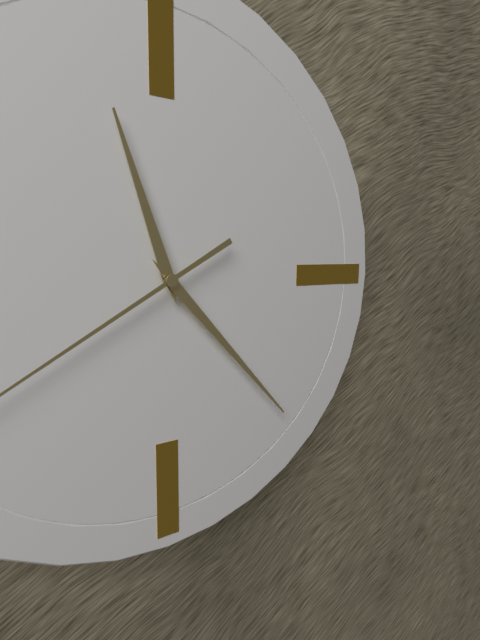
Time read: 11h23
